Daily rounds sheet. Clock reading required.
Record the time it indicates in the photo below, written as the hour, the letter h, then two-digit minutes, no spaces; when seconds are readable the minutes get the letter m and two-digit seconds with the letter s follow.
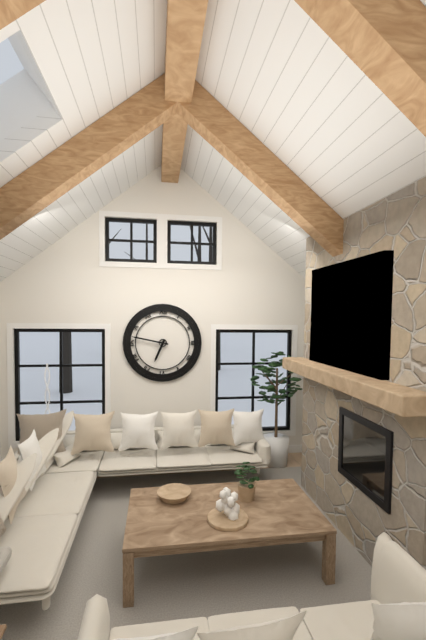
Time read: 6h47
